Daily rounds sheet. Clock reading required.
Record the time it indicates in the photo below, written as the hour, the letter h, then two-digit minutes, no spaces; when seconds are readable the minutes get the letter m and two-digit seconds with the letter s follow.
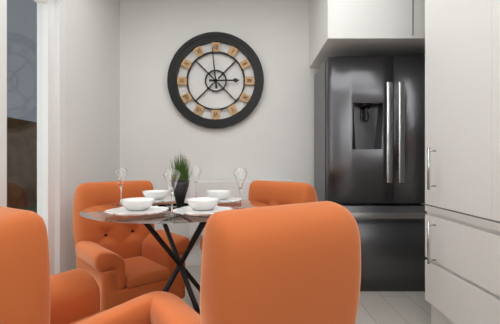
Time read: 2h59
